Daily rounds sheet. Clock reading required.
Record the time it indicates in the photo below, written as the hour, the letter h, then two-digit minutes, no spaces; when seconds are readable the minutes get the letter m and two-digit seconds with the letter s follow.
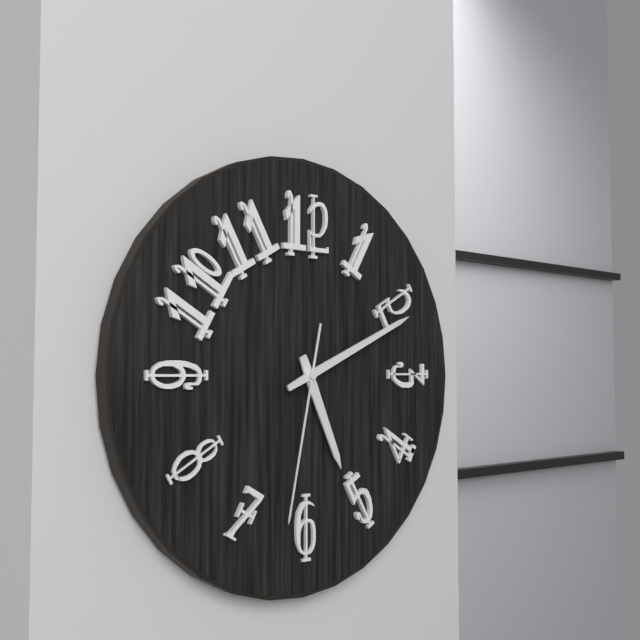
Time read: 5h11m32s
